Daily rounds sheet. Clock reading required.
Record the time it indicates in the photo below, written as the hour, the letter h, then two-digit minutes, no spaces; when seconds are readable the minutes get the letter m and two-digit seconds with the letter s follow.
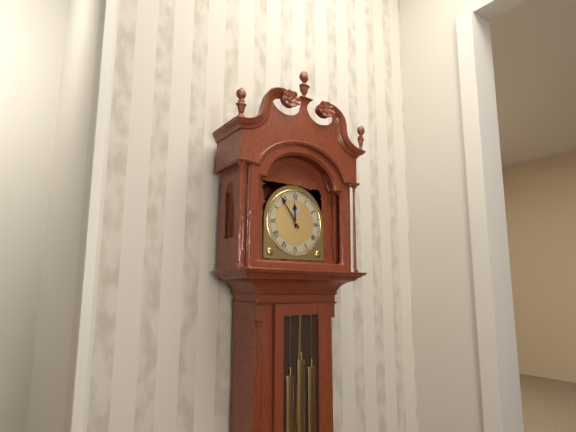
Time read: 11h54
